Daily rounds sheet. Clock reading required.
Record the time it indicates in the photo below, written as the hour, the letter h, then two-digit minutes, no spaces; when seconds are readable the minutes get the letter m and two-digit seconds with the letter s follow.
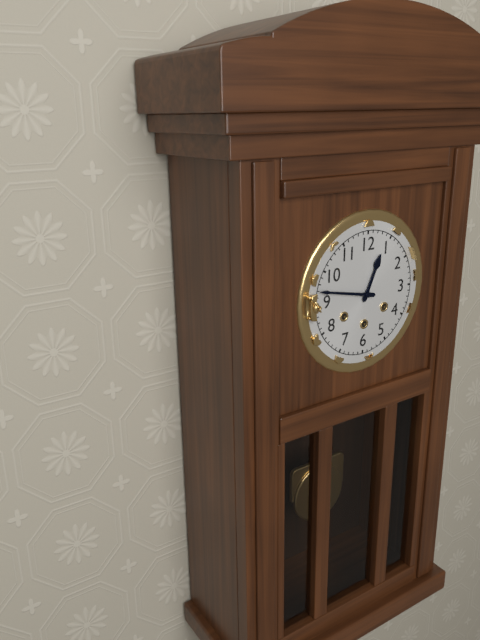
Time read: 12h47
